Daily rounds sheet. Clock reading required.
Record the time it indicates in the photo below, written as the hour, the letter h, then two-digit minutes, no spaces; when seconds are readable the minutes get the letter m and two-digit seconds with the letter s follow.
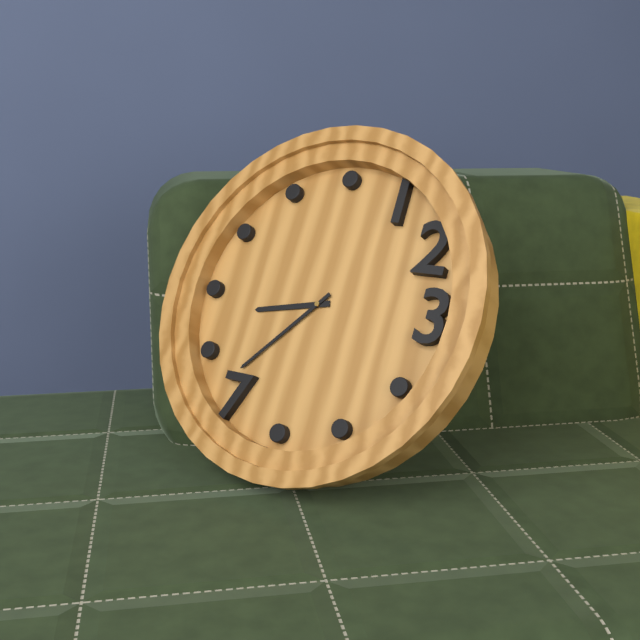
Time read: 8h37
